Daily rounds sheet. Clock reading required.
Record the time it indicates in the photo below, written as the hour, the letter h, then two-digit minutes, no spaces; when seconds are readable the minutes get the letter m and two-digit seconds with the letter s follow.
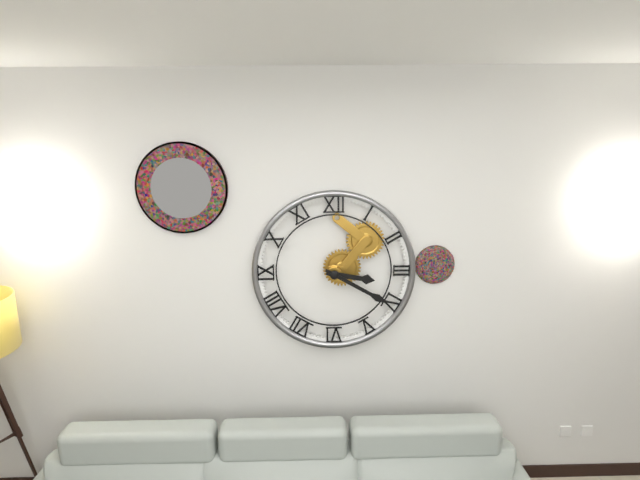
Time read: 3h20
